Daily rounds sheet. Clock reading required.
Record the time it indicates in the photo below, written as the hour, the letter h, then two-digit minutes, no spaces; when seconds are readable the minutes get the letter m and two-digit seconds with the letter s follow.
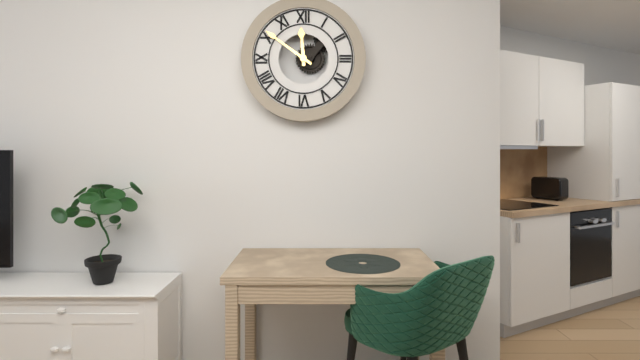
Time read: 11h51
